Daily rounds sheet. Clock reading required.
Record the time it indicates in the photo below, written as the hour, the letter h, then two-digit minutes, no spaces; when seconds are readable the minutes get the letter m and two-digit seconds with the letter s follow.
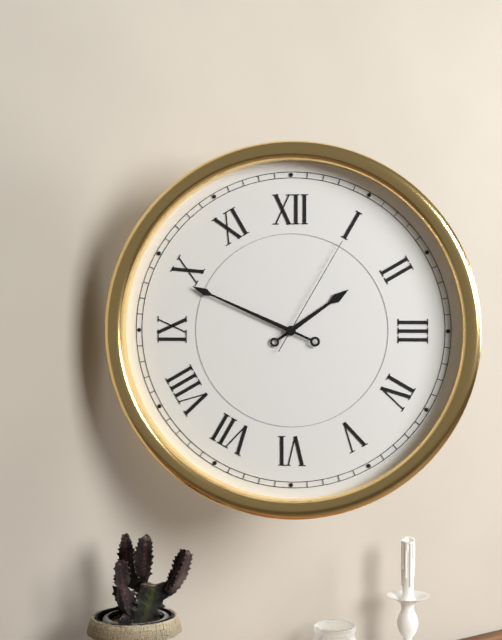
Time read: 1h49m05s
